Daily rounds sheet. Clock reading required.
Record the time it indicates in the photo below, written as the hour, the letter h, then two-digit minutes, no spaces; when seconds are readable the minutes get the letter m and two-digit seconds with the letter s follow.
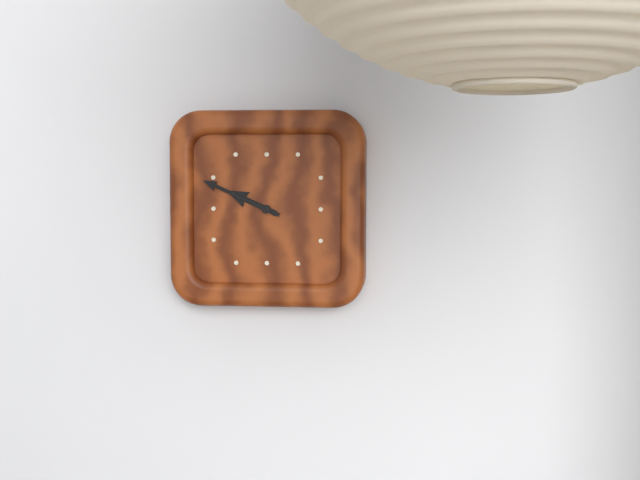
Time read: 9h49
